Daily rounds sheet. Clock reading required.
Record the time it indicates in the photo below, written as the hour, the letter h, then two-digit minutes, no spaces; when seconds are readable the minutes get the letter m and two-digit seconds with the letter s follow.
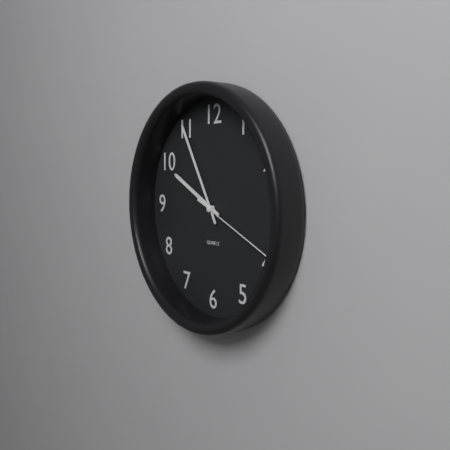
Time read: 9h55m19s
